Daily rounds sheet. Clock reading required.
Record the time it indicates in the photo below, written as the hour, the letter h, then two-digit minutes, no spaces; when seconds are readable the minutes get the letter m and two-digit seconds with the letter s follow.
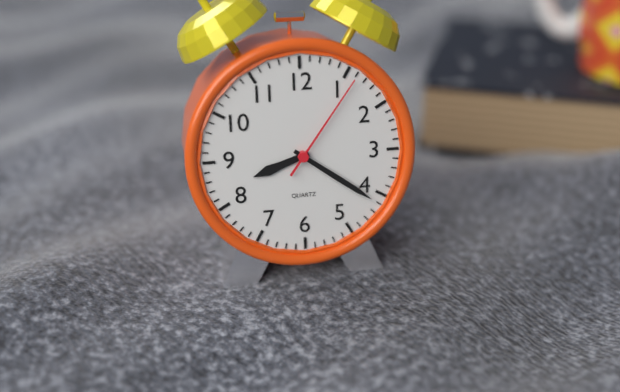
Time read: 8h21m06s
